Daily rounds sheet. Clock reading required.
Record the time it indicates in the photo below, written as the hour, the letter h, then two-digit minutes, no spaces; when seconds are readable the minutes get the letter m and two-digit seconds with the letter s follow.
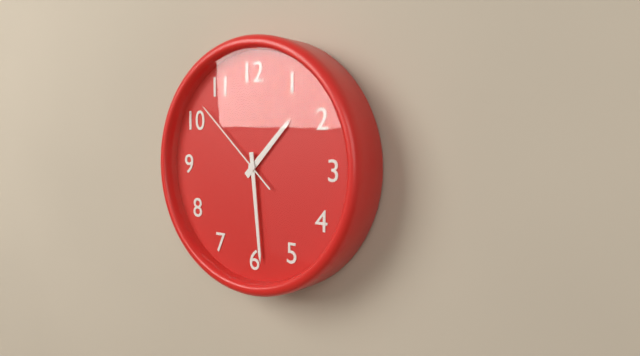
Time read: 1h29m52s
